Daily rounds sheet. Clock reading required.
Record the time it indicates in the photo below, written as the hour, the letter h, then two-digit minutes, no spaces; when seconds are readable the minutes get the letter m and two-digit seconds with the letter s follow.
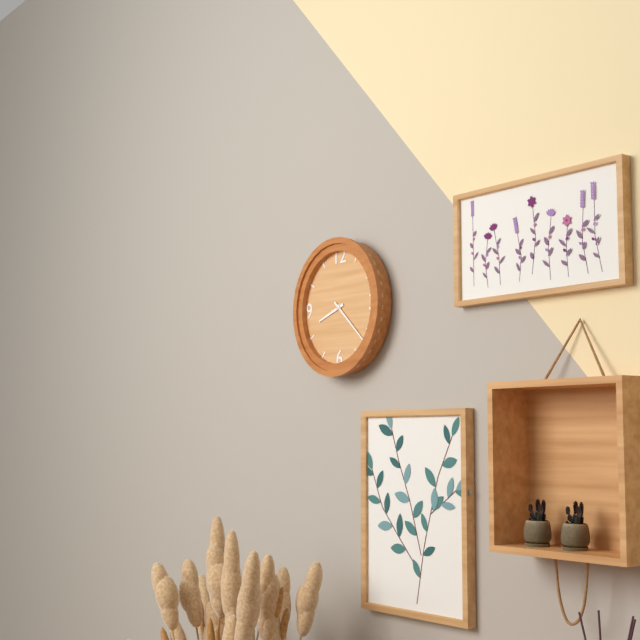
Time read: 8h22
